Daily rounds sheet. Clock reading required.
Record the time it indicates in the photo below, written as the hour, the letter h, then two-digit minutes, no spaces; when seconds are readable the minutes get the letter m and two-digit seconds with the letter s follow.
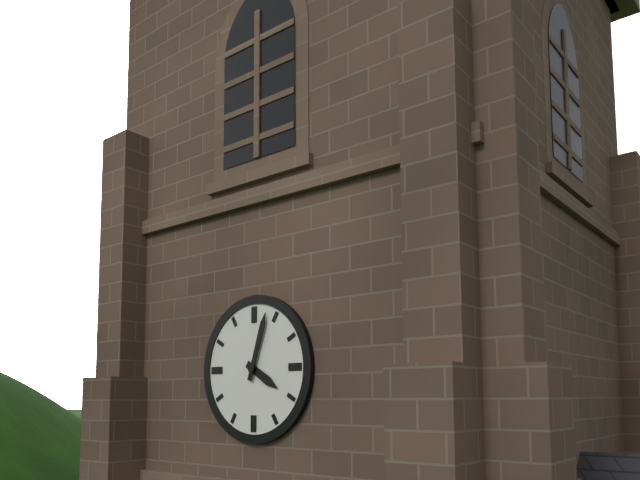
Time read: 4h03
